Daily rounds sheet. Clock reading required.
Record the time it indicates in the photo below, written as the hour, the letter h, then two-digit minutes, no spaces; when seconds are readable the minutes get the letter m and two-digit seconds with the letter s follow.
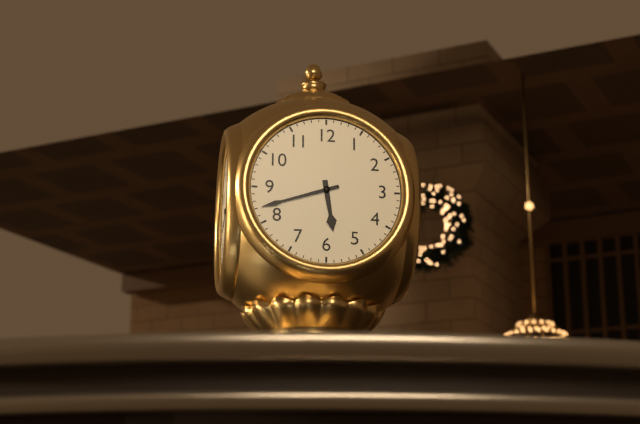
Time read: 5h42
